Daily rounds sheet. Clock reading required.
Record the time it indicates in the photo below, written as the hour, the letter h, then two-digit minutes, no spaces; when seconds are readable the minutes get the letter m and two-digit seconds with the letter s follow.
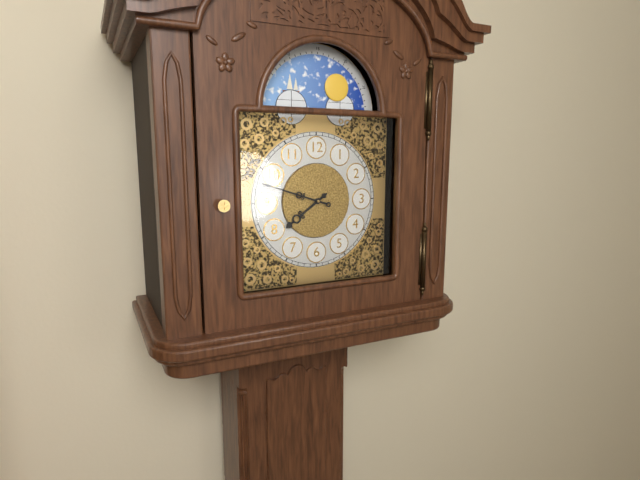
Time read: 7h48
